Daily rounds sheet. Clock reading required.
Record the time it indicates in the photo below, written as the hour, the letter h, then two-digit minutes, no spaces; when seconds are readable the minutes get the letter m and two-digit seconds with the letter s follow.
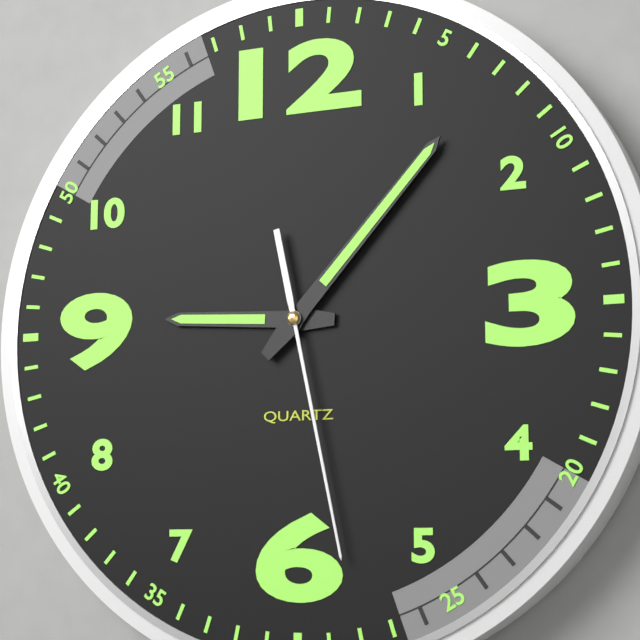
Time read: 9h07m28s
